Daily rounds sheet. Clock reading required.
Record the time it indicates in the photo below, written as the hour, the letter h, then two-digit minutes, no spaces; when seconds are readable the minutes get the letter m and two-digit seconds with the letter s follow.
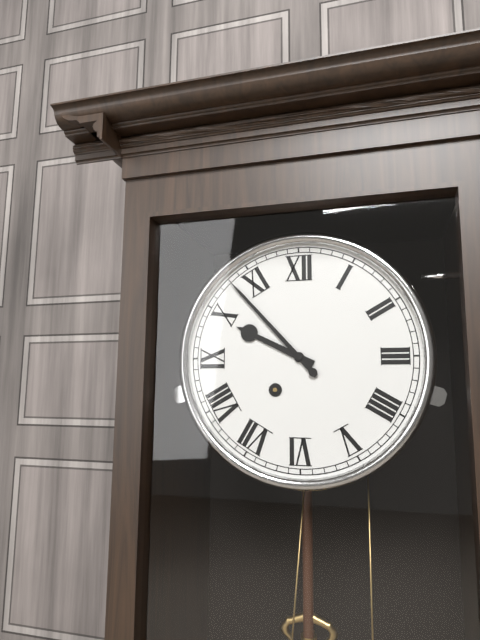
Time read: 9h53
